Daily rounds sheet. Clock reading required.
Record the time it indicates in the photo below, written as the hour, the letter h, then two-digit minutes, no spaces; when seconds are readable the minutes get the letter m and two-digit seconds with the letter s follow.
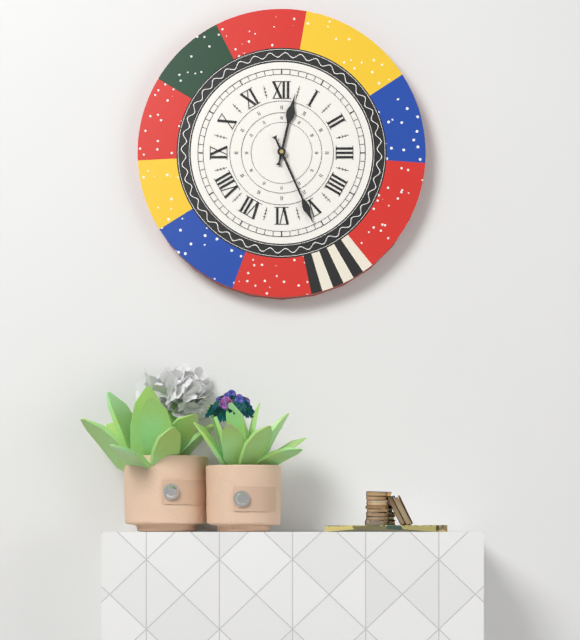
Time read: 12h26
